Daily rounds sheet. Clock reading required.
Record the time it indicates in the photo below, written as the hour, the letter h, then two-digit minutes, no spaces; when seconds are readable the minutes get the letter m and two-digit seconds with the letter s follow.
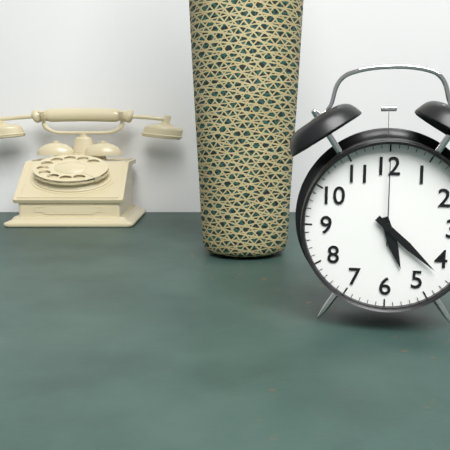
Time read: 5h22m00s
